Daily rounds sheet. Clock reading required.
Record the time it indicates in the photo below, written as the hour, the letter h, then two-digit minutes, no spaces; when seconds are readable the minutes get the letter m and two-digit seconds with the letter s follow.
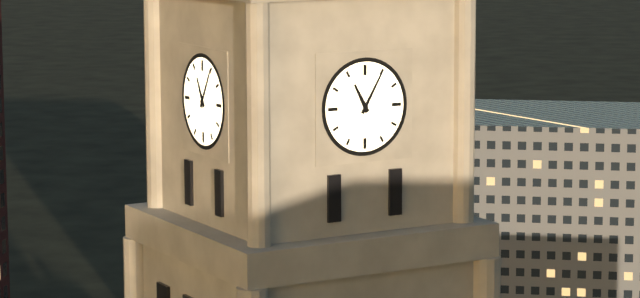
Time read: 11h05
